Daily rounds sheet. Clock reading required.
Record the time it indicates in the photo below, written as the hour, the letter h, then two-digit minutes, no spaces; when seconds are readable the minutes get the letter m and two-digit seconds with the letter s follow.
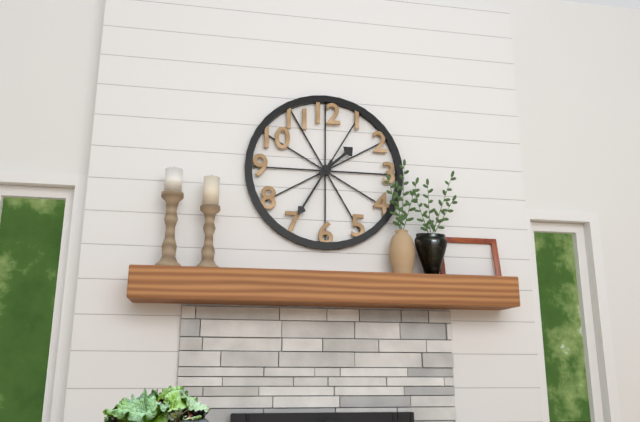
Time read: 1h35
